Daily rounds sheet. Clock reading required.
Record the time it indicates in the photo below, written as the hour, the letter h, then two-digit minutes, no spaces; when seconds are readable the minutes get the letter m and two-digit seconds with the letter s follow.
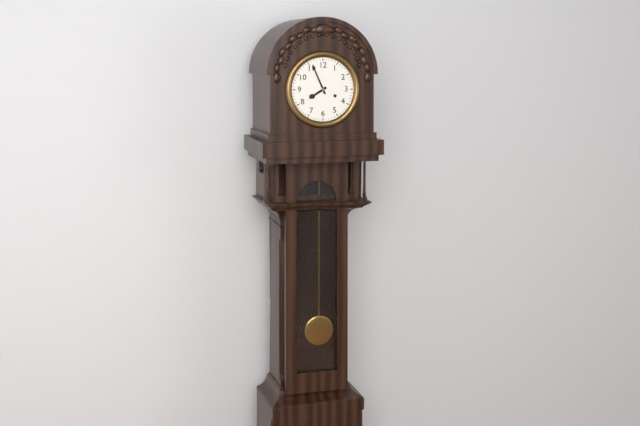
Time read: 7h56
